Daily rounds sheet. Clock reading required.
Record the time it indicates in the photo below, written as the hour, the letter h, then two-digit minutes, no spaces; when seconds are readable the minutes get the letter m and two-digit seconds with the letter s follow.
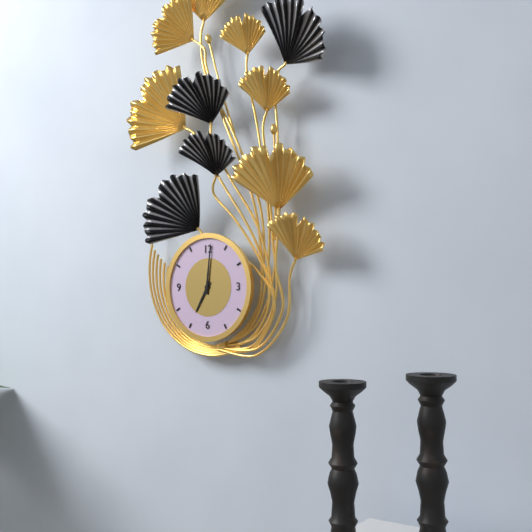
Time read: 7h01
